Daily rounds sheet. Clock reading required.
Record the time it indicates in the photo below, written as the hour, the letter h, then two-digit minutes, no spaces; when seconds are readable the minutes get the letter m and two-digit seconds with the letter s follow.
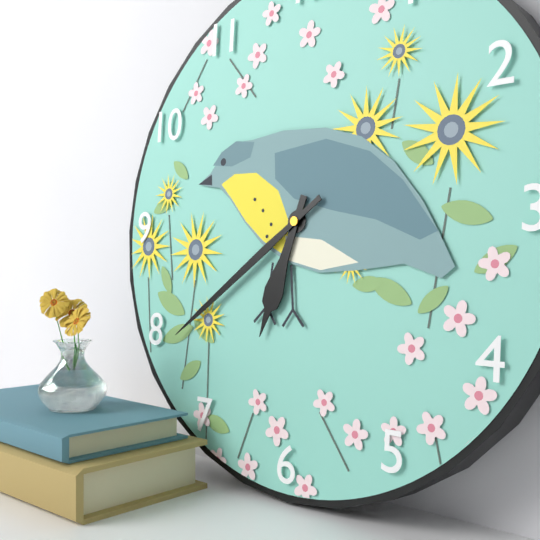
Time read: 6h39
